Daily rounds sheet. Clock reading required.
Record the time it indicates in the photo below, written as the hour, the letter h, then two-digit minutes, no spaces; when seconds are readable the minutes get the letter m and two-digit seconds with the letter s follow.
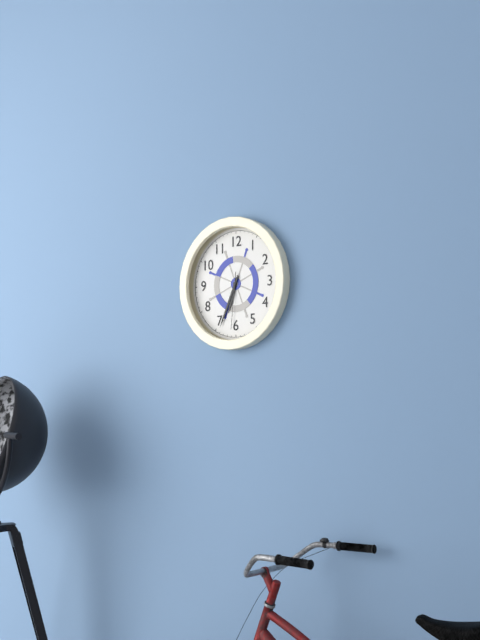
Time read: 6h34m31s
